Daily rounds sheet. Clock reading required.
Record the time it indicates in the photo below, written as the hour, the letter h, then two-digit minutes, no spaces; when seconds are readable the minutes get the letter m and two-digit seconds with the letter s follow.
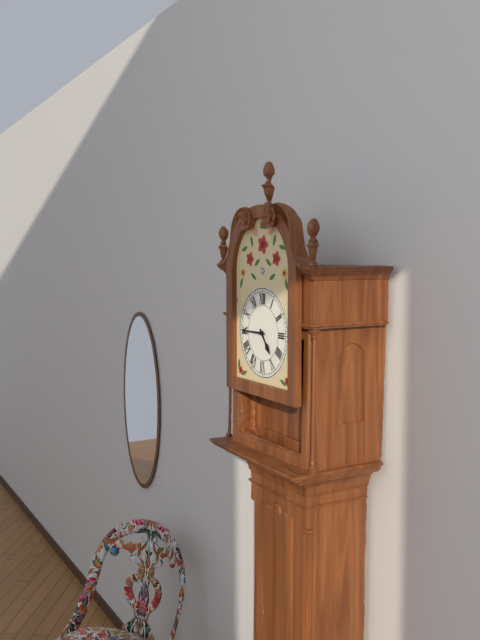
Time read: 4h45
